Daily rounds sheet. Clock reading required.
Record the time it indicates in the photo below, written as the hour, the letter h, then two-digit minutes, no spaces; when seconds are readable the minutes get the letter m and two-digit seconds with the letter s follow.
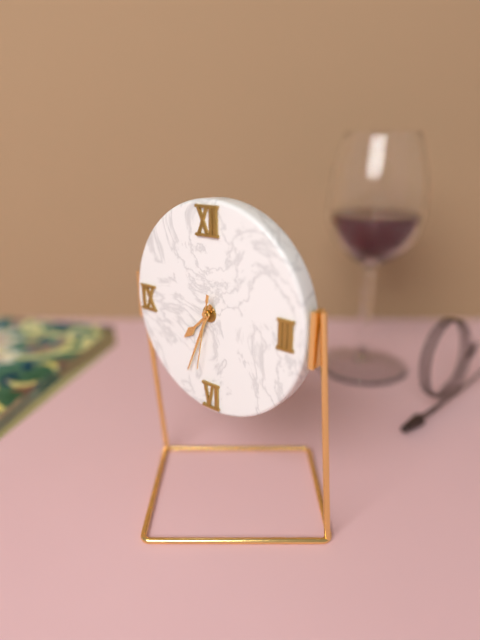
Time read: 7h34m32s
